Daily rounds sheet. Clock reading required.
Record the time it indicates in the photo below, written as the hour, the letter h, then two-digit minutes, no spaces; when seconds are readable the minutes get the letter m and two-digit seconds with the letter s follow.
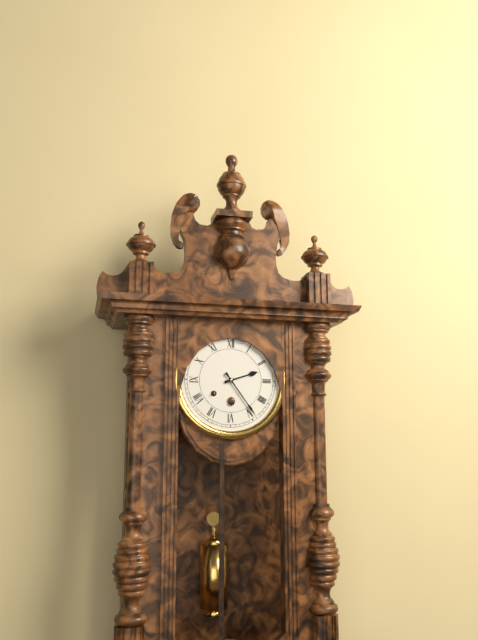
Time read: 2h24
